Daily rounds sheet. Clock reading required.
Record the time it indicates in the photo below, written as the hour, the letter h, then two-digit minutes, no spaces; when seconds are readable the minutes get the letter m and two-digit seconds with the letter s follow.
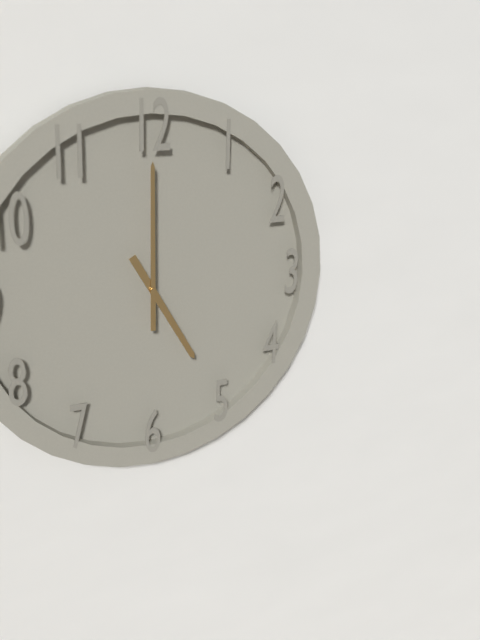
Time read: 5h00
